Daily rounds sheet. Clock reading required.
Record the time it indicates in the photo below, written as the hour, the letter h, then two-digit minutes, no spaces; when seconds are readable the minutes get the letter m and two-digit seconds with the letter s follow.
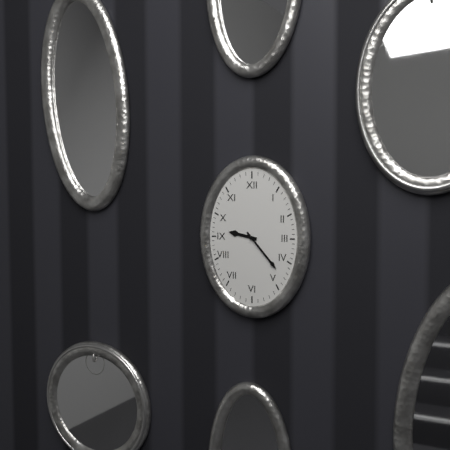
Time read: 9h23
